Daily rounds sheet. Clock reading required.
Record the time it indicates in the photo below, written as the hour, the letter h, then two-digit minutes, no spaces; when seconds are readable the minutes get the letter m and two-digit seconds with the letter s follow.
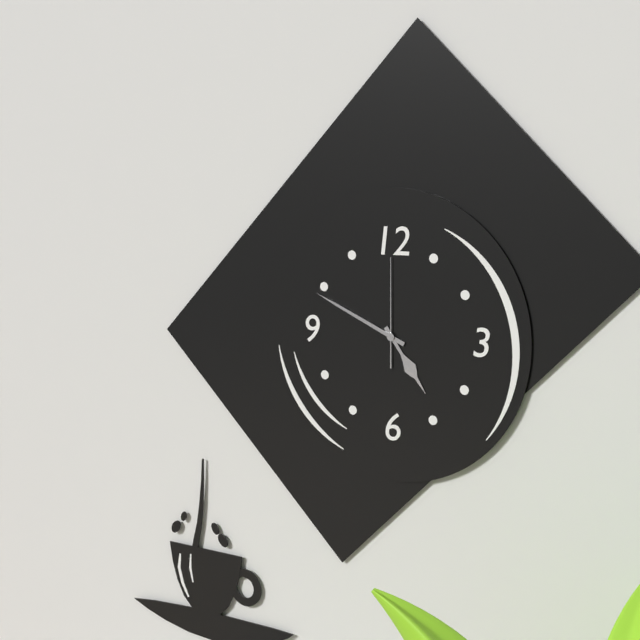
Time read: 4h49m00s
